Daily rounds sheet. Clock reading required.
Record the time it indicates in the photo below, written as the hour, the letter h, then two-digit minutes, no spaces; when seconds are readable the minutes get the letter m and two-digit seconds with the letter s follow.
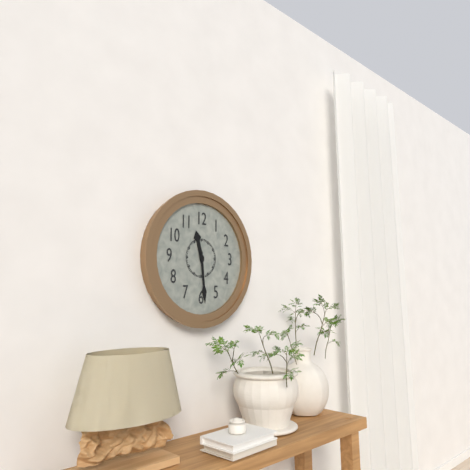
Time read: 11h29
